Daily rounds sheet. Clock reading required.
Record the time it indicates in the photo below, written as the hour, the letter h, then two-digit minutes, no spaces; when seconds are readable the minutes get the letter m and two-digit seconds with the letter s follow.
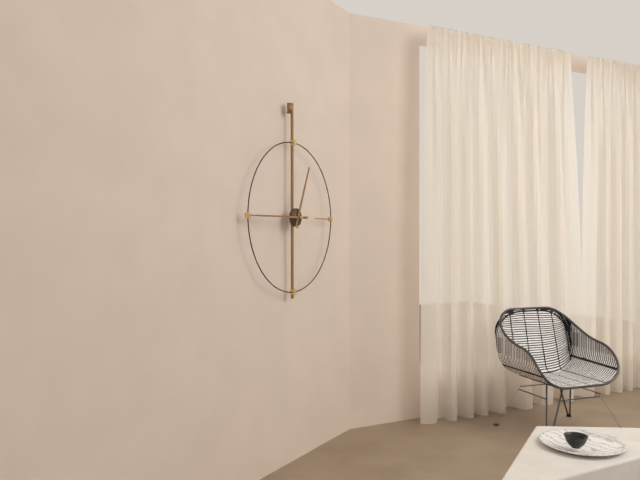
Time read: 12h45
